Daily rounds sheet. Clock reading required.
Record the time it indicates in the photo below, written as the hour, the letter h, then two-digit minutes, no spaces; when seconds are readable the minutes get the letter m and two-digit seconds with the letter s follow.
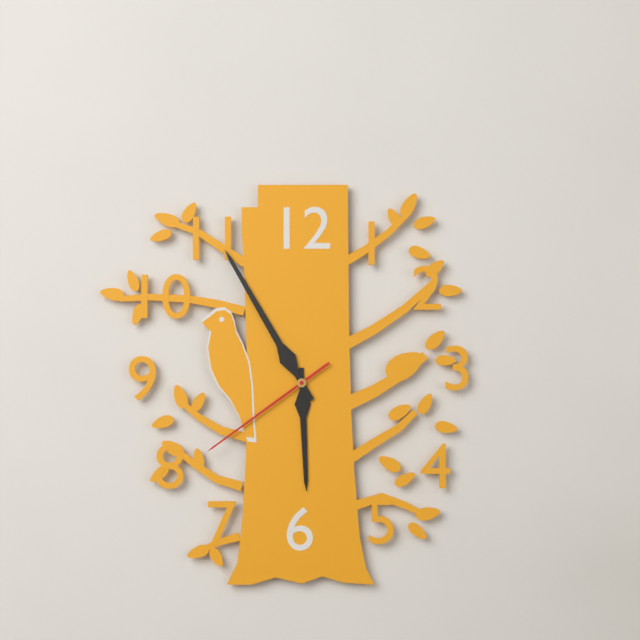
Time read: 5h55m39s
